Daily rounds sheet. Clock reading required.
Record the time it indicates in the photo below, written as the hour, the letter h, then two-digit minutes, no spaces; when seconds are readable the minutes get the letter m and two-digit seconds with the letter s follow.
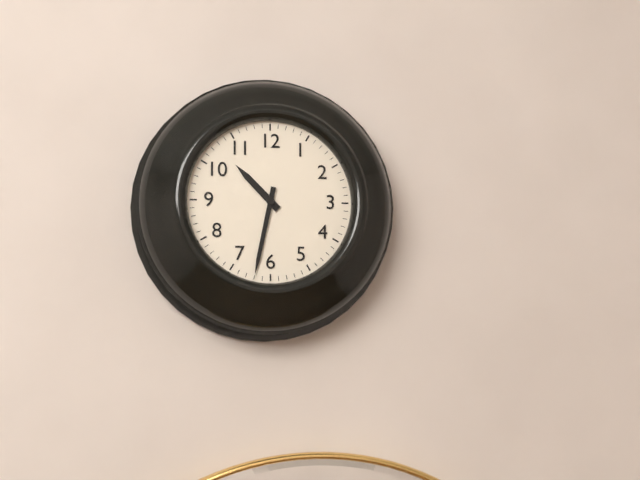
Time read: 10h32
